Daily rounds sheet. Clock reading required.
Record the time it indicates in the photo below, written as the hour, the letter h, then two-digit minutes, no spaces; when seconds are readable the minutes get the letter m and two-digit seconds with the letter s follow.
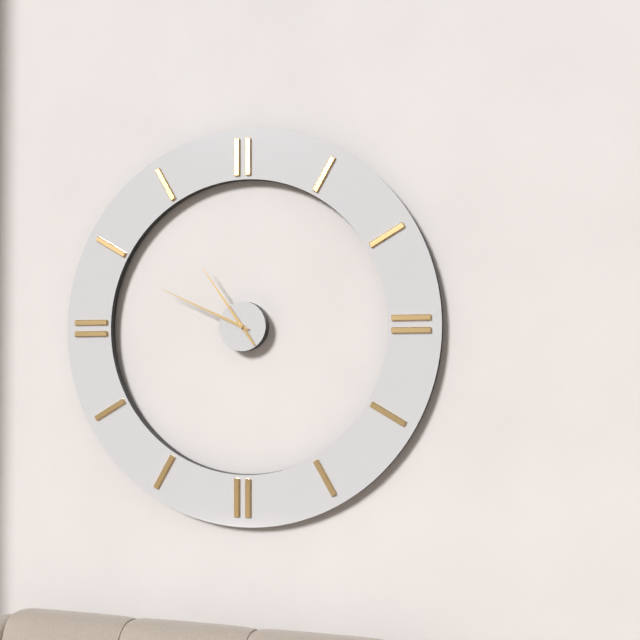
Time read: 10h49
